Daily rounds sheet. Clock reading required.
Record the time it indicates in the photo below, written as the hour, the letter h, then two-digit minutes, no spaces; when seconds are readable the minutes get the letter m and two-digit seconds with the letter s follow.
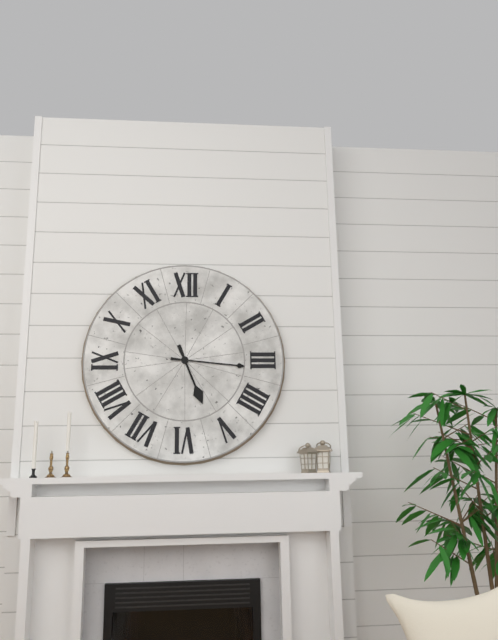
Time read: 5h16
